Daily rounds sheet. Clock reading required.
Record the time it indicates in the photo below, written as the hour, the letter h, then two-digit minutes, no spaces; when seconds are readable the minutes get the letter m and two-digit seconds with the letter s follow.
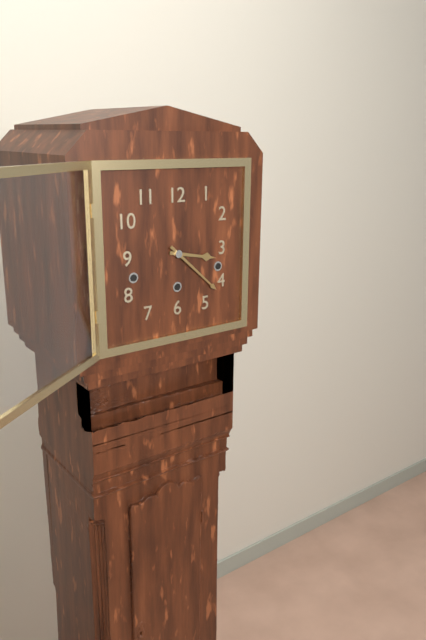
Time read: 3h22
